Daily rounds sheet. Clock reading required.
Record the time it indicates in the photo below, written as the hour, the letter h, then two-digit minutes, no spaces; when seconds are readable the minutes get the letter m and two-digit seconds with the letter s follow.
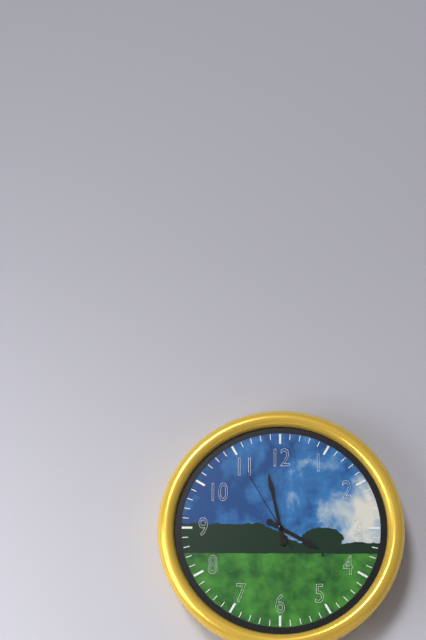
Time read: 3h58m55s
